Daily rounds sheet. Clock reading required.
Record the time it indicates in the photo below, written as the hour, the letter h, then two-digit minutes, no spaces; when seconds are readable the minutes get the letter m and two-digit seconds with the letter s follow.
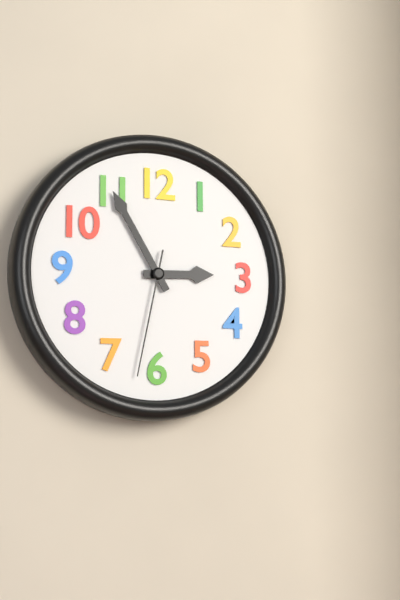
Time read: 2h55m32s
